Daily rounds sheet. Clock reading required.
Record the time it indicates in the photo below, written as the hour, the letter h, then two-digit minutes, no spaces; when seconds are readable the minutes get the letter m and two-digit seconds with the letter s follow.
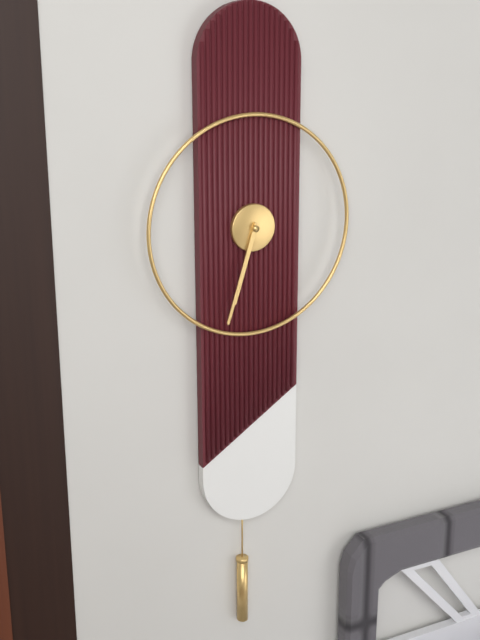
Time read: 6h33
